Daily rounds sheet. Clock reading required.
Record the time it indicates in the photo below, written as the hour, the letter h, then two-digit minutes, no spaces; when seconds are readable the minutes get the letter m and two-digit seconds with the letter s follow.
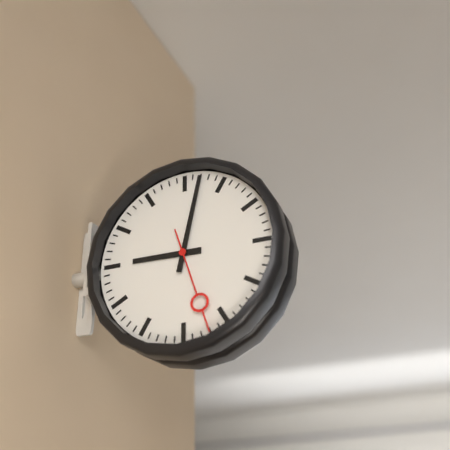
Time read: 9h02m27s
